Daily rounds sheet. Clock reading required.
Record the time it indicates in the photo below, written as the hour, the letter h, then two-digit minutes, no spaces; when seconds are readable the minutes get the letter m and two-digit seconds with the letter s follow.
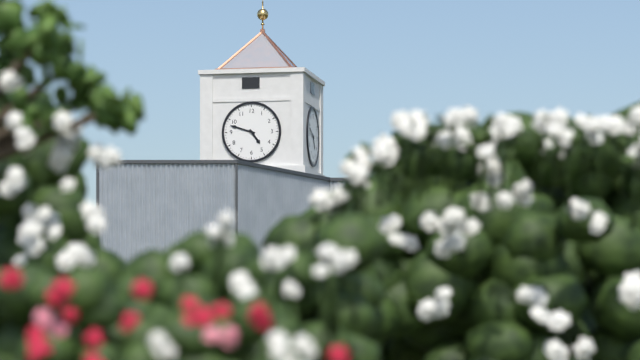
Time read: 4h48
